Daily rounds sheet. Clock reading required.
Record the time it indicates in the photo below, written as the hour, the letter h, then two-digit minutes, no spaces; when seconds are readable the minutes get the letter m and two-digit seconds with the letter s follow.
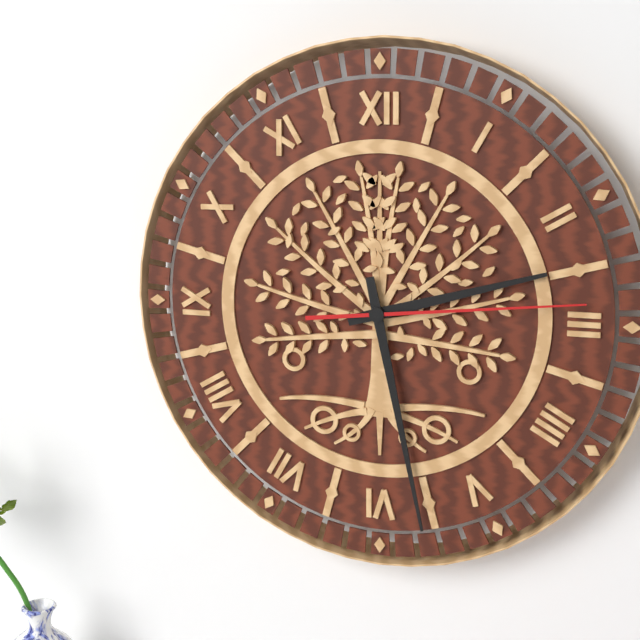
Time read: 2h28m14s
